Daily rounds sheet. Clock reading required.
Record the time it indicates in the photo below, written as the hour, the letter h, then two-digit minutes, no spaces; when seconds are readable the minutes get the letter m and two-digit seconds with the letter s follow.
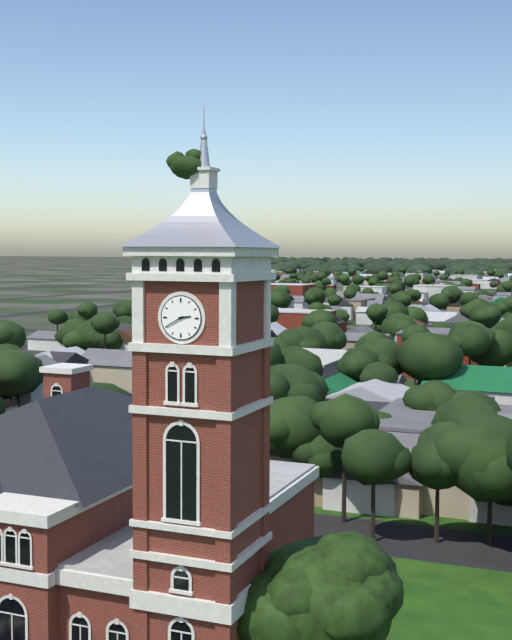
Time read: 2h40
